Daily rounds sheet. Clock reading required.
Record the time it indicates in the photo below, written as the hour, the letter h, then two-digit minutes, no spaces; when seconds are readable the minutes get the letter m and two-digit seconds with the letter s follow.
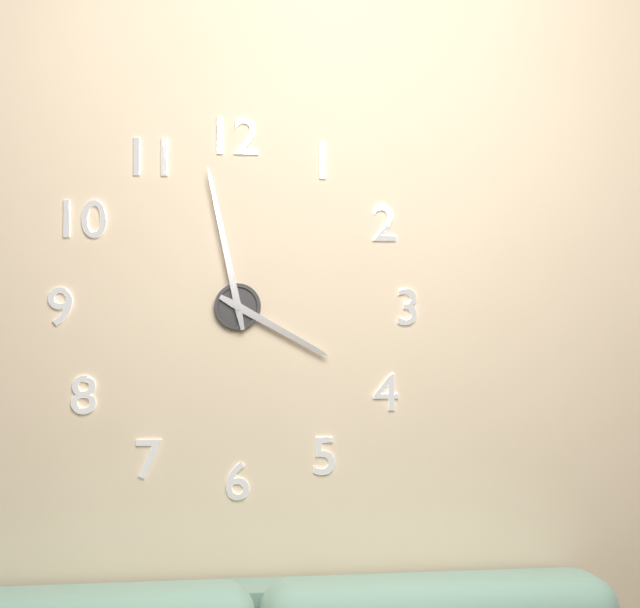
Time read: 3h58
